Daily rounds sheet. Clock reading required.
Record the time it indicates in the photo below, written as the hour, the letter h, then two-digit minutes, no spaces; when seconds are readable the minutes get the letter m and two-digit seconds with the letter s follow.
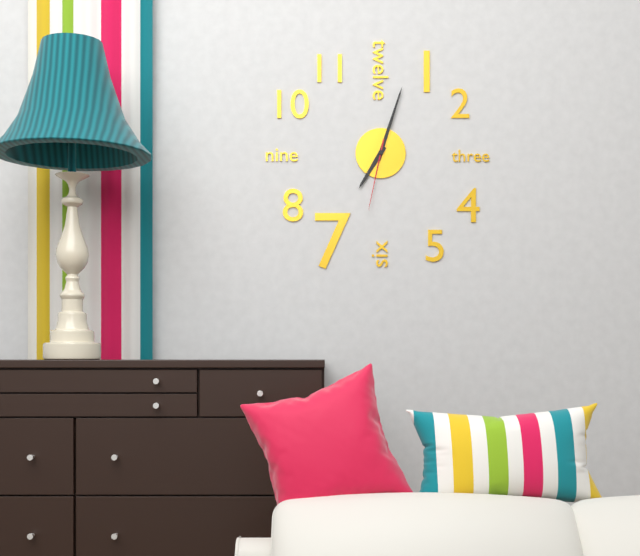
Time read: 7h03m32s
